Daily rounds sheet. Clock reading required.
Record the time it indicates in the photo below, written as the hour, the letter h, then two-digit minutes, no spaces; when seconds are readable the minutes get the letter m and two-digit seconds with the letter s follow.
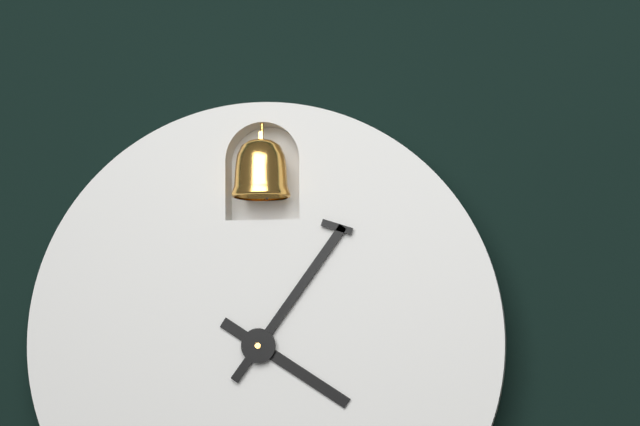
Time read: 4h06
